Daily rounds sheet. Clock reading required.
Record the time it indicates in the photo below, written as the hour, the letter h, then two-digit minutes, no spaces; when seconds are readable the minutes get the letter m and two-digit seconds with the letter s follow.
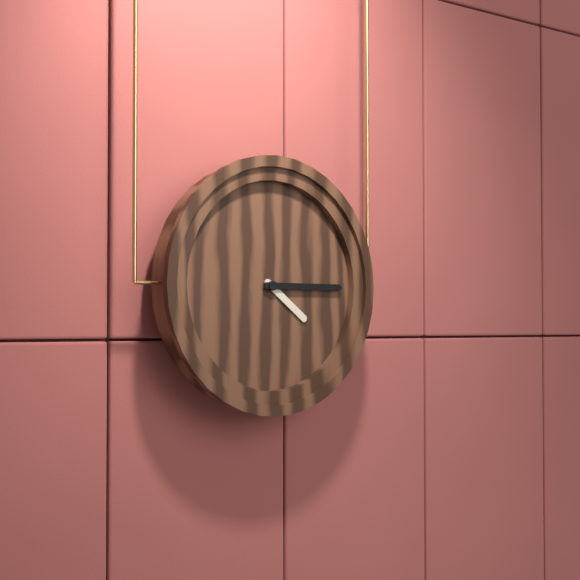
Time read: 4h15
